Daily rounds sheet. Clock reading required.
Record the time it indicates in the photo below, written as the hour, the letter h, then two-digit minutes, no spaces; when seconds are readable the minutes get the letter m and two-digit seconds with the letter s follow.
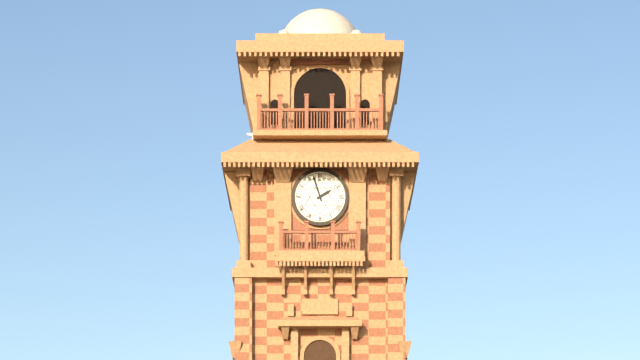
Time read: 1h57
